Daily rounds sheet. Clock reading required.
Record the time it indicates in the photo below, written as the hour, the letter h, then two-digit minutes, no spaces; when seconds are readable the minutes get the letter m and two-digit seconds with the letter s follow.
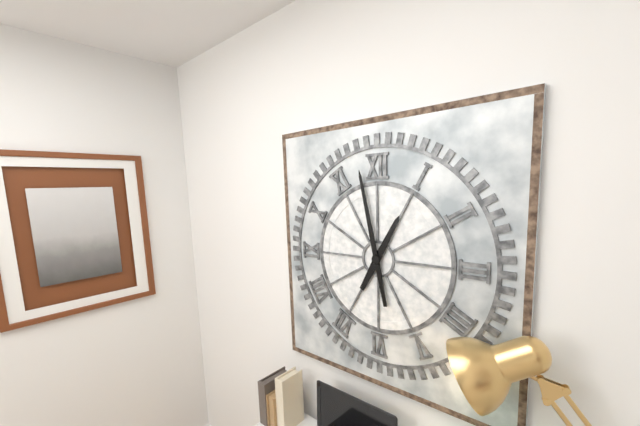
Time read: 12h58
